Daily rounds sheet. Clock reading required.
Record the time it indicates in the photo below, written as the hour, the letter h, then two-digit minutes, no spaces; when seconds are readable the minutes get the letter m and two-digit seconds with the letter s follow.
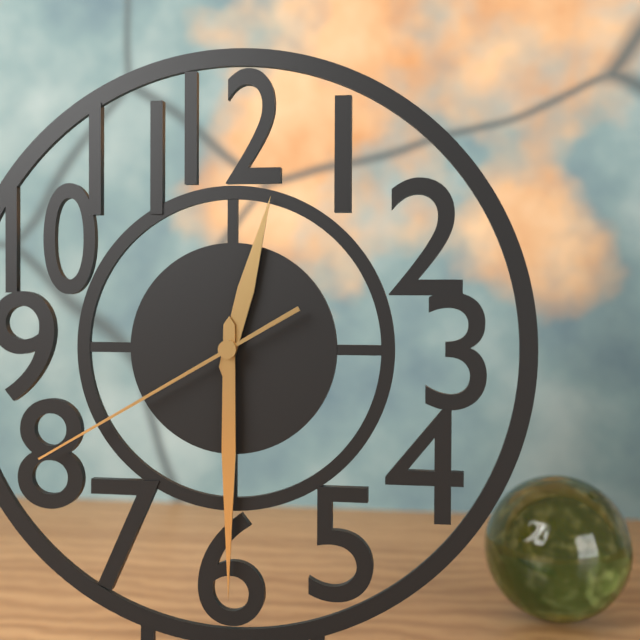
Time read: 12h30m40s
